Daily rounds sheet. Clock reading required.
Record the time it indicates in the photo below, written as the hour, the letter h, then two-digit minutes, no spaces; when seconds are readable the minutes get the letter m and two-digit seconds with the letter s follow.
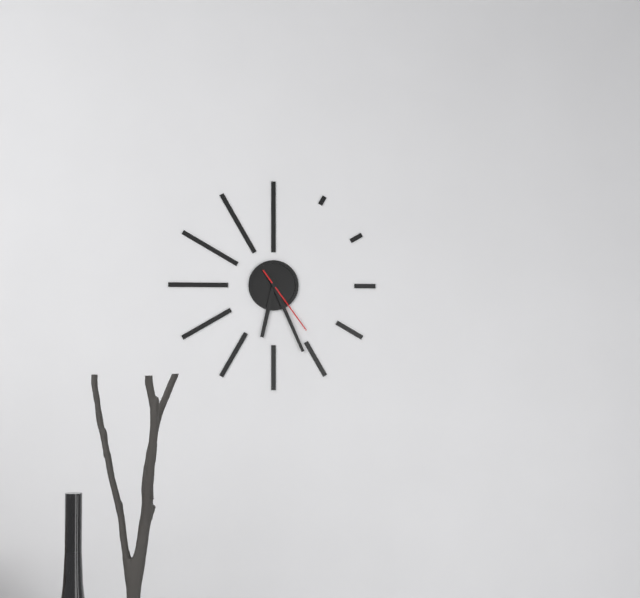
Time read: 6h26m24s
